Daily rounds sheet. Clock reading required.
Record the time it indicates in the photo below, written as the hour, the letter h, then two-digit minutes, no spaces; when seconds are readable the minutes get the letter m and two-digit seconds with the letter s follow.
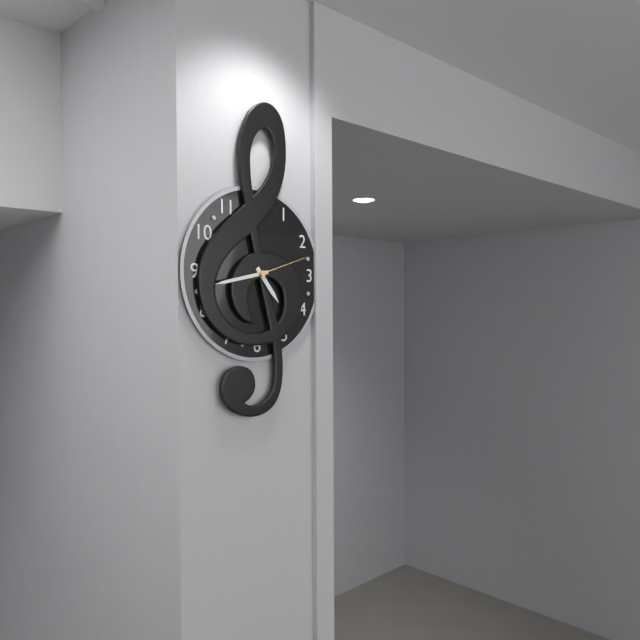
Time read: 4h43m12s
